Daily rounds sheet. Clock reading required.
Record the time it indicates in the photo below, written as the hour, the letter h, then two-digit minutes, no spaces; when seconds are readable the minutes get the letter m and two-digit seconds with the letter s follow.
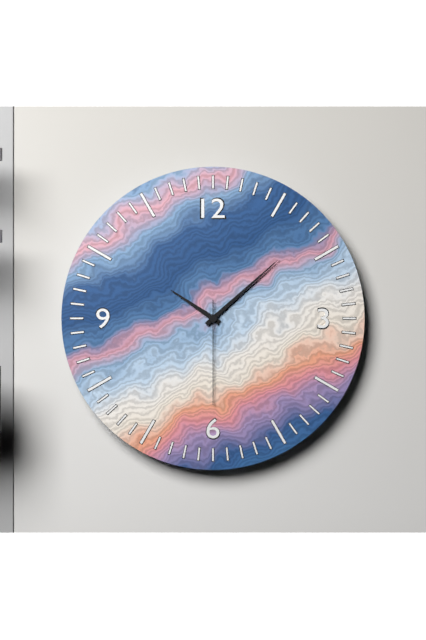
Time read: 10h08m30s
